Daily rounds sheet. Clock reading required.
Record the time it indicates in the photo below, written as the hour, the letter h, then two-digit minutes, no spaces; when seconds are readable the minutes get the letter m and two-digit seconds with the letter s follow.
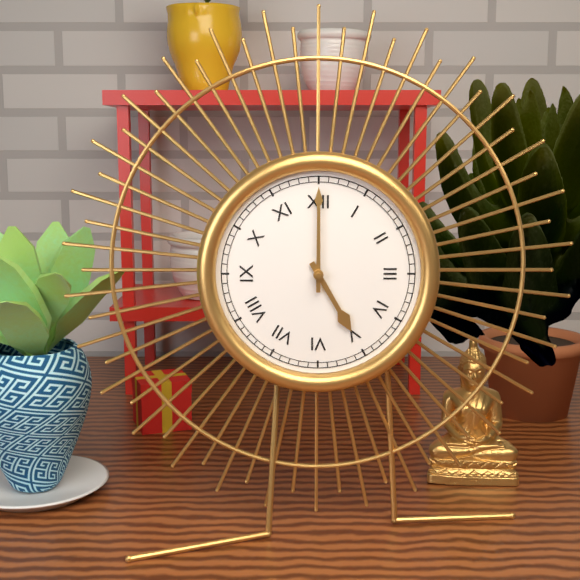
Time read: 5h00
